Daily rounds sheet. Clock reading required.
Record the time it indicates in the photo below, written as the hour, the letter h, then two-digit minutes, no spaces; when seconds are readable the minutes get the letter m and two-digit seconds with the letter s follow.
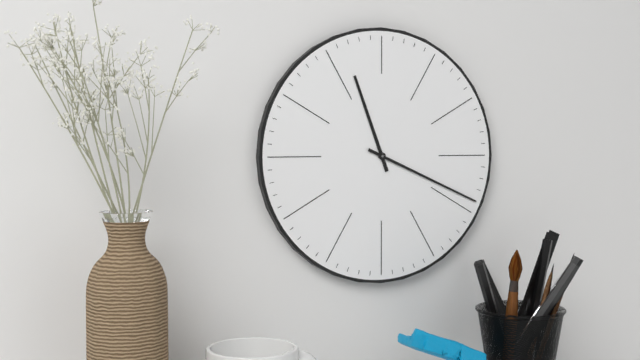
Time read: 11h19
